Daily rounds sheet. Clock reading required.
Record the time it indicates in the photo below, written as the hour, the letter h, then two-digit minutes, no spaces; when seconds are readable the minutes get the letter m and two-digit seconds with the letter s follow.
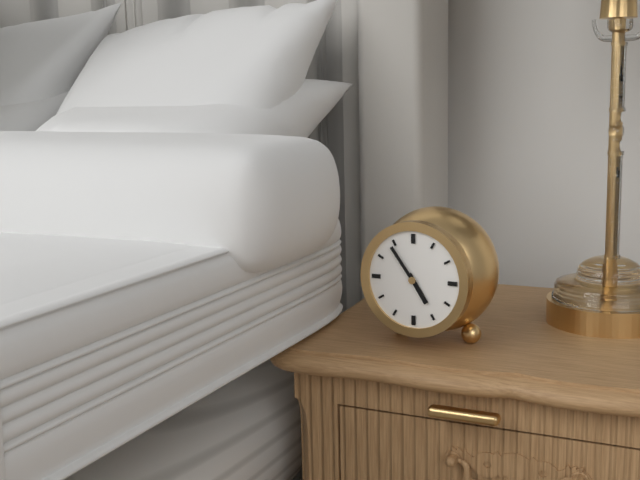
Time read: 4h54
